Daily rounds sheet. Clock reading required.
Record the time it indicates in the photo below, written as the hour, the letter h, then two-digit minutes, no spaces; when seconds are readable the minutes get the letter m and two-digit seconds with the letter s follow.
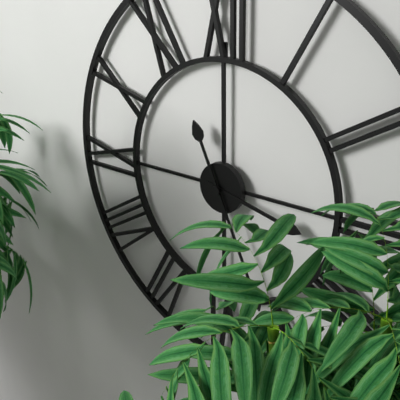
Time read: 3h26
